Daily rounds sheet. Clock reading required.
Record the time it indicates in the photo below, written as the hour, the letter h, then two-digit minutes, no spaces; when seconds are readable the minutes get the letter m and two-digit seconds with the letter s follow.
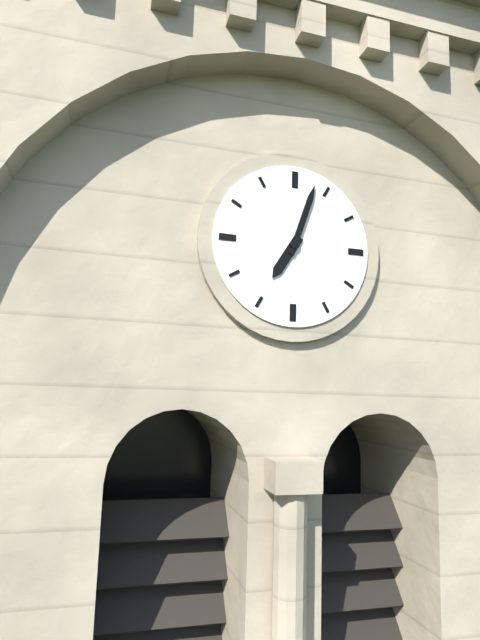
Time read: 7h03
